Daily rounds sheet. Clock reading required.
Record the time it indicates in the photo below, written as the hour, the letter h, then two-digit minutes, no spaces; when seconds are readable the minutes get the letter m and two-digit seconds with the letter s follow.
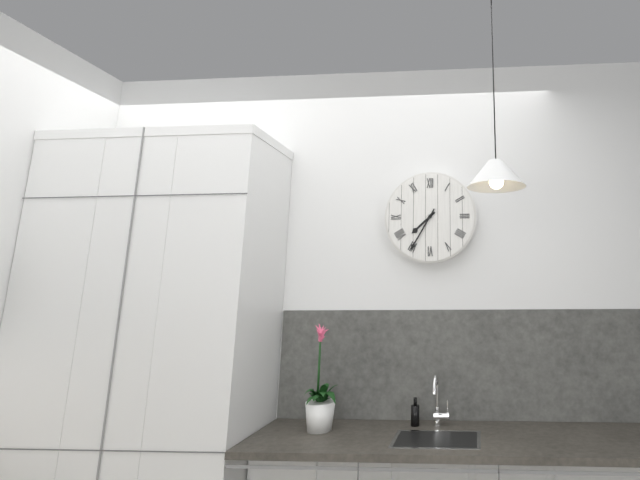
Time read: 7h35
